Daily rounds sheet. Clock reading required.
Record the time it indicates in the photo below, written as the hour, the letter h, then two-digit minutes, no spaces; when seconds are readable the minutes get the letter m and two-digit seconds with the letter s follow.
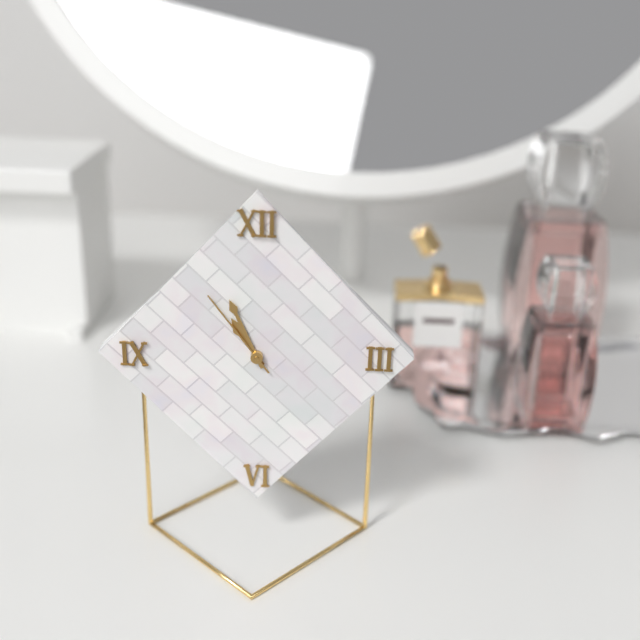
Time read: 10h56m54s
